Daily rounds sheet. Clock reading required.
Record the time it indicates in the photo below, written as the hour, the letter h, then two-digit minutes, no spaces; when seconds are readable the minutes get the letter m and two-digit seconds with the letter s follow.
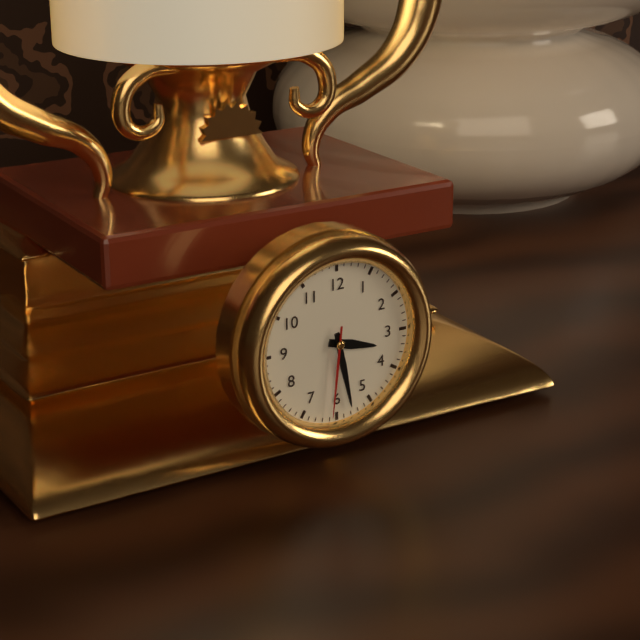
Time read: 3h28m31s
